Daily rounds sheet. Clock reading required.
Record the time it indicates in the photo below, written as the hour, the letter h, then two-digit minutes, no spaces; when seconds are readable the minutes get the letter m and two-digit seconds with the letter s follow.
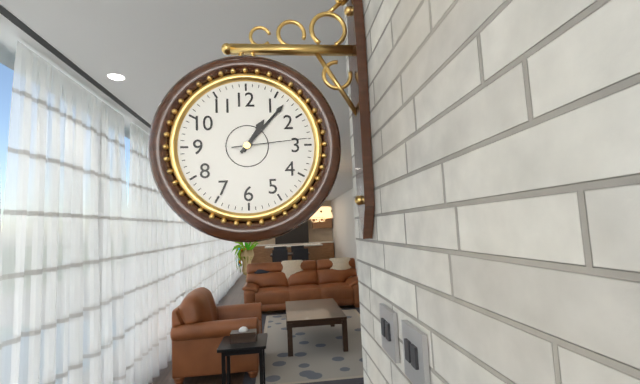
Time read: 1h07m14s
